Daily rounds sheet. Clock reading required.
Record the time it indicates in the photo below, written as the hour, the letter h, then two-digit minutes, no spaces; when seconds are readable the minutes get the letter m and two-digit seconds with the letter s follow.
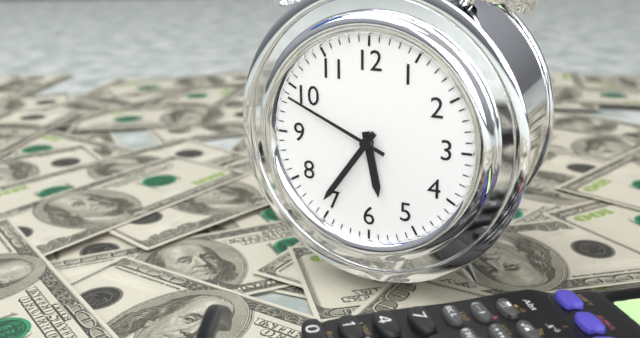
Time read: 5h36m49s
